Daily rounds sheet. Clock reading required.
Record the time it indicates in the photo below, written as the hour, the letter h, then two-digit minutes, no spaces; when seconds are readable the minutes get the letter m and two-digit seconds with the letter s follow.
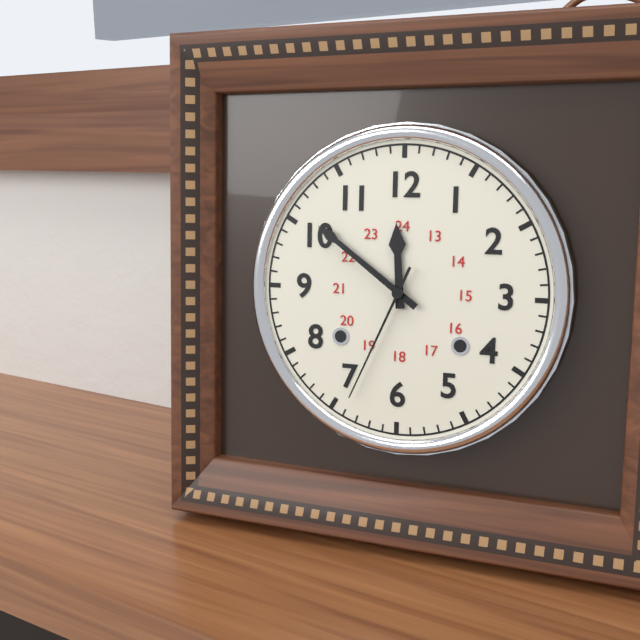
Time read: 11h51m34s
